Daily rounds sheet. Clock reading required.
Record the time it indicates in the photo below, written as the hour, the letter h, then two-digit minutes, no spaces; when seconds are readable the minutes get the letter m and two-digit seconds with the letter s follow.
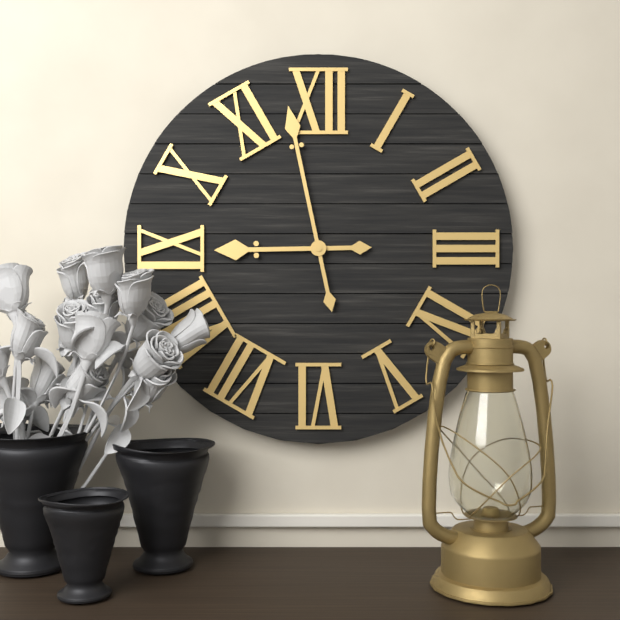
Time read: 8h58
